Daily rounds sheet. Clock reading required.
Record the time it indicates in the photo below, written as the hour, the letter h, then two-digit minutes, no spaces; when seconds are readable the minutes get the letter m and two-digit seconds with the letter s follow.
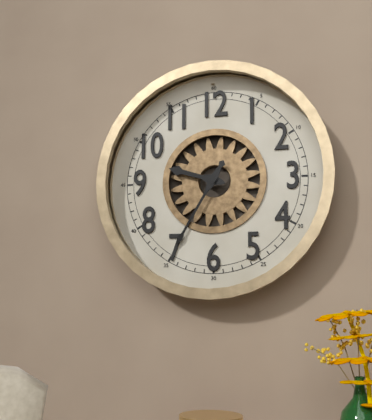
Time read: 9h35
